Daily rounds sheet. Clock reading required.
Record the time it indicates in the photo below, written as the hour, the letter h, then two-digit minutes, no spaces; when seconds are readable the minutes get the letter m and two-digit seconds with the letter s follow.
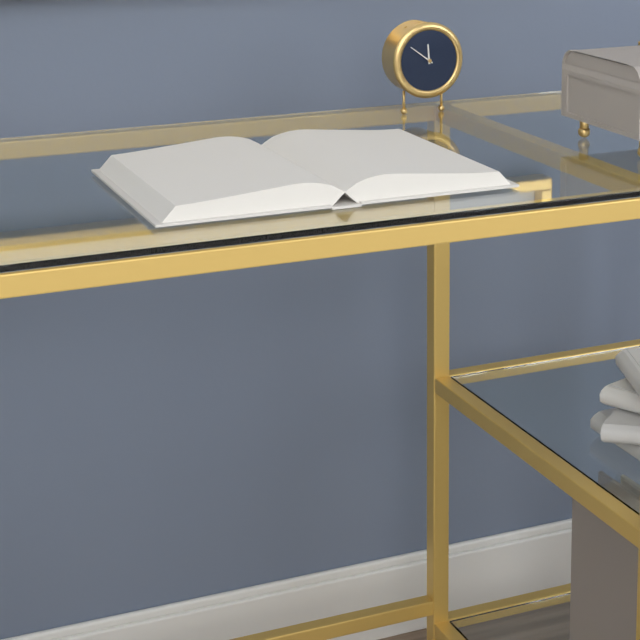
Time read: 11h51
